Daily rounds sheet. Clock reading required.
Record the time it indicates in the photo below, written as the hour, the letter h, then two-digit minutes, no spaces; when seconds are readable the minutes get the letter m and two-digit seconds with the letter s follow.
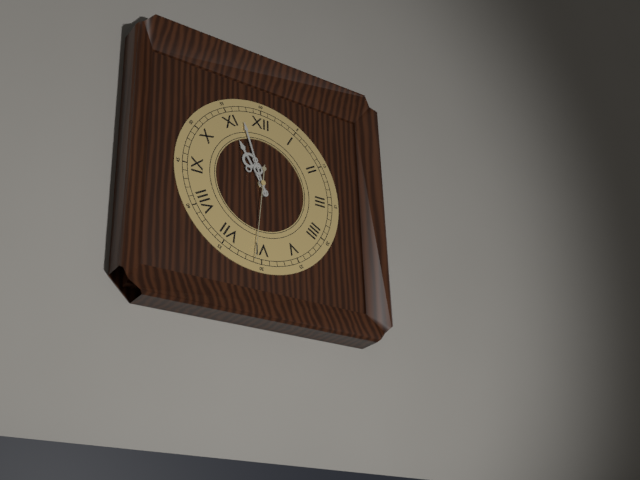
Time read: 10h57m31s
